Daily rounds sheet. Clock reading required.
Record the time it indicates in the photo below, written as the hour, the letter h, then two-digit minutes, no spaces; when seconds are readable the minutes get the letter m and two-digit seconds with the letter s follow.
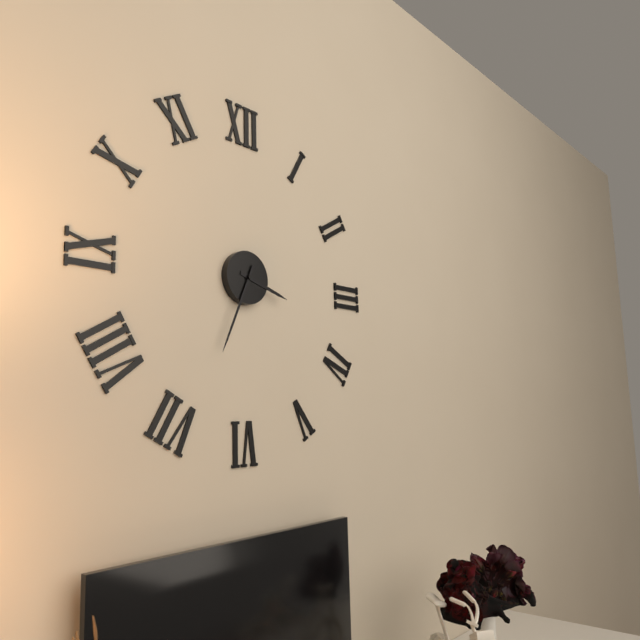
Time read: 3h34
